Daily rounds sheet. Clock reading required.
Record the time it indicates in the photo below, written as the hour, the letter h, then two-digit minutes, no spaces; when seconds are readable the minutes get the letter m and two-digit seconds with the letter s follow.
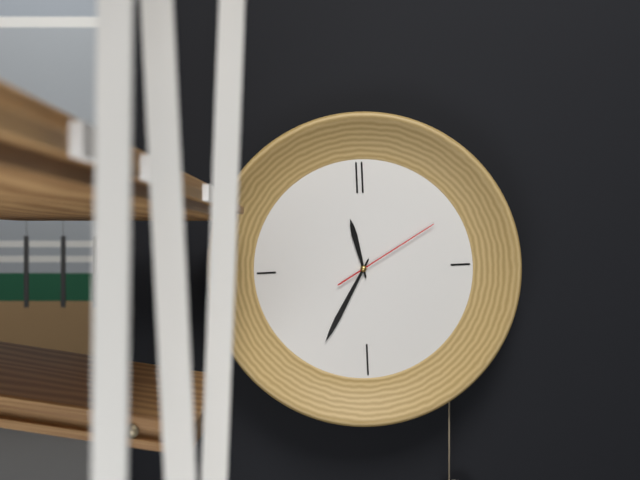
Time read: 11h35m10s
